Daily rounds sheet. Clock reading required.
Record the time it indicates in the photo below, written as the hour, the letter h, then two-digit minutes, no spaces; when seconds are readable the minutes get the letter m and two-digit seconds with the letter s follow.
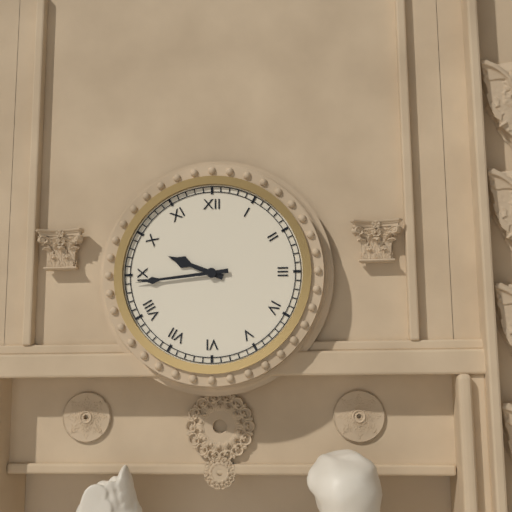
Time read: 9h44
